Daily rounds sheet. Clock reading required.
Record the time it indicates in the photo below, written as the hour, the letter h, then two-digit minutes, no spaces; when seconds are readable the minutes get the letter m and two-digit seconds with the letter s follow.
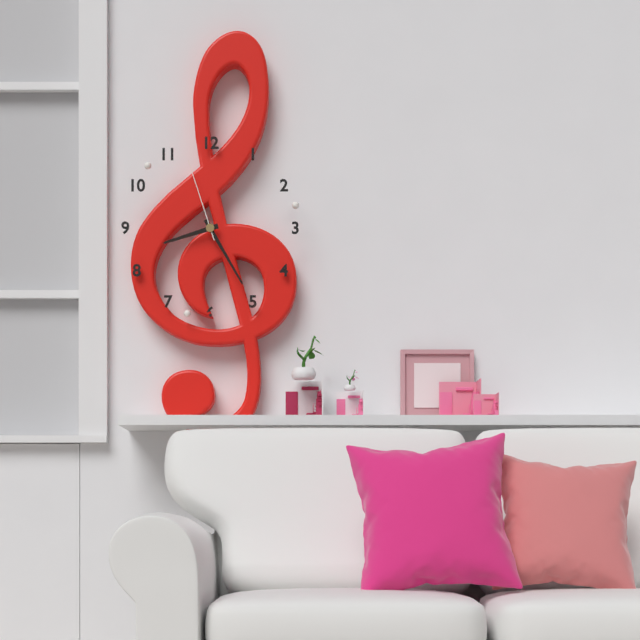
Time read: 8h25m57s
